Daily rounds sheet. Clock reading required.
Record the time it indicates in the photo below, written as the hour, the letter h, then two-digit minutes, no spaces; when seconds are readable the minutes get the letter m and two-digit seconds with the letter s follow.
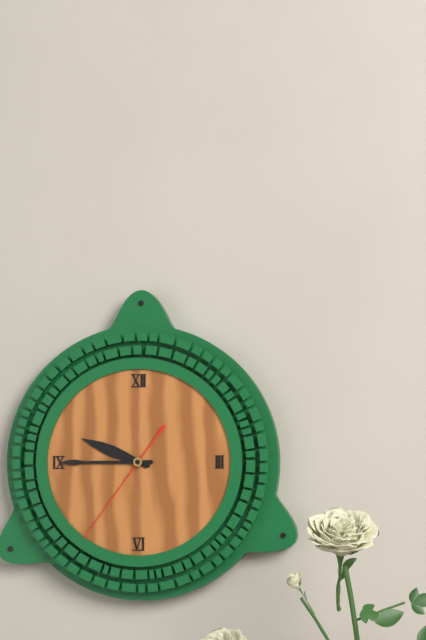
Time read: 9h45m36s
